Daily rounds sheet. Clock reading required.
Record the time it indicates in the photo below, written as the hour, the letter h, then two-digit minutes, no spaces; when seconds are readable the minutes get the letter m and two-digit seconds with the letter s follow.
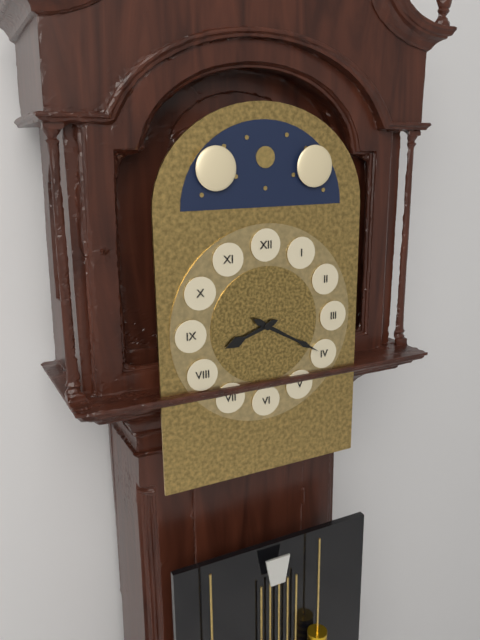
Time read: 8h20
